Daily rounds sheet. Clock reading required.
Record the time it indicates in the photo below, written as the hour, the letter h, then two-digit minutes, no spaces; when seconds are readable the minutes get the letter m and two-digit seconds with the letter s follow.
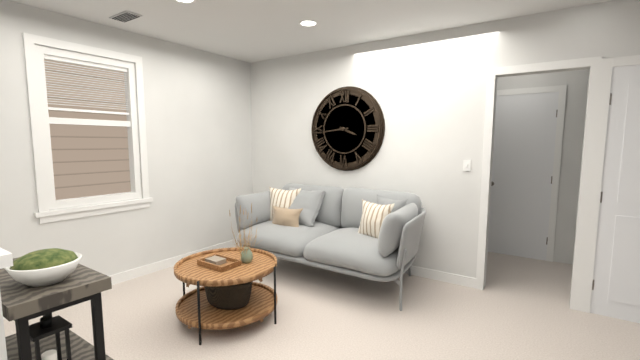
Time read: 3h44
